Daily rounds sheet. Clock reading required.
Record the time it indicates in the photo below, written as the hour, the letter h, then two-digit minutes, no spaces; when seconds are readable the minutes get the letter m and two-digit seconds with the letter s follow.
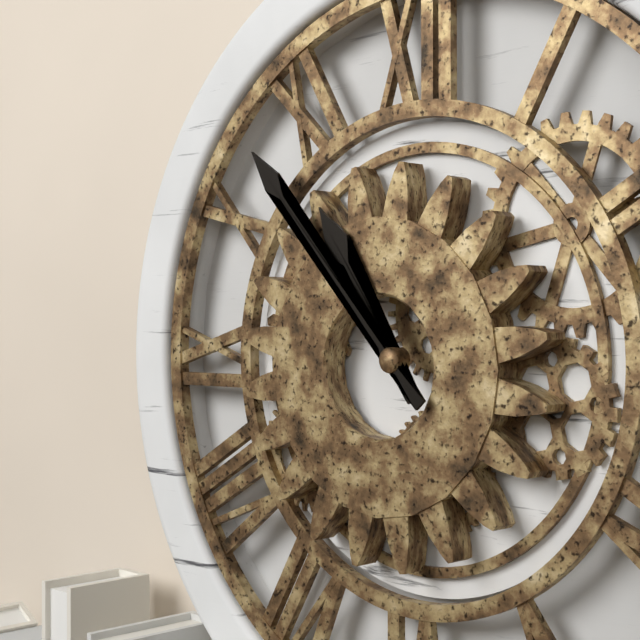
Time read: 10h53
